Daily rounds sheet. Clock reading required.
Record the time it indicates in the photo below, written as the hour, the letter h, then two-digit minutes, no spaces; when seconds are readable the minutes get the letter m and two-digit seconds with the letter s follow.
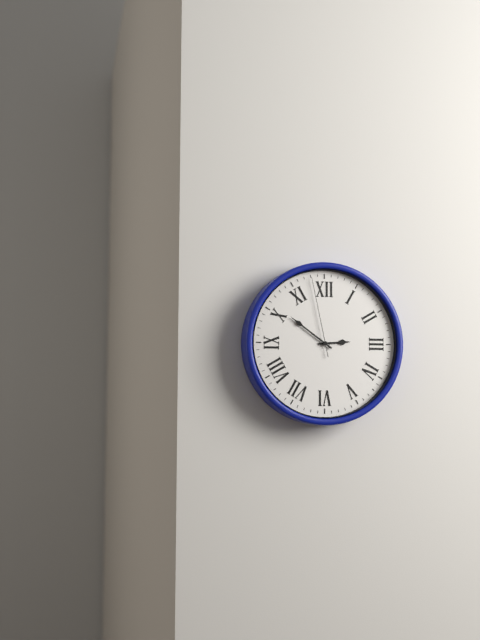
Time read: 2h51m58s
